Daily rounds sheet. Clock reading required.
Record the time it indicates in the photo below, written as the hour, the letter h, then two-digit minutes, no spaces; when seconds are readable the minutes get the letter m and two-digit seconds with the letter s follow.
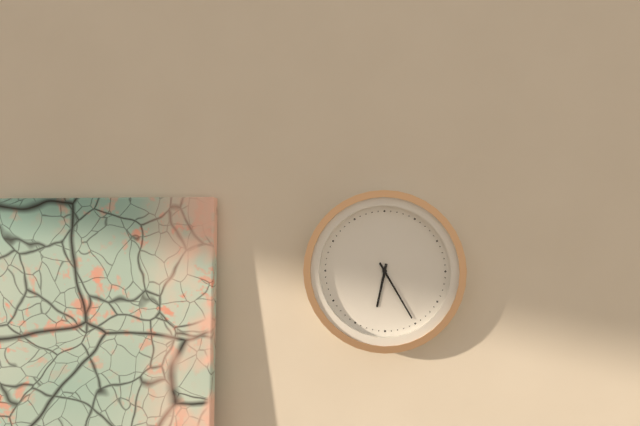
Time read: 6h25
